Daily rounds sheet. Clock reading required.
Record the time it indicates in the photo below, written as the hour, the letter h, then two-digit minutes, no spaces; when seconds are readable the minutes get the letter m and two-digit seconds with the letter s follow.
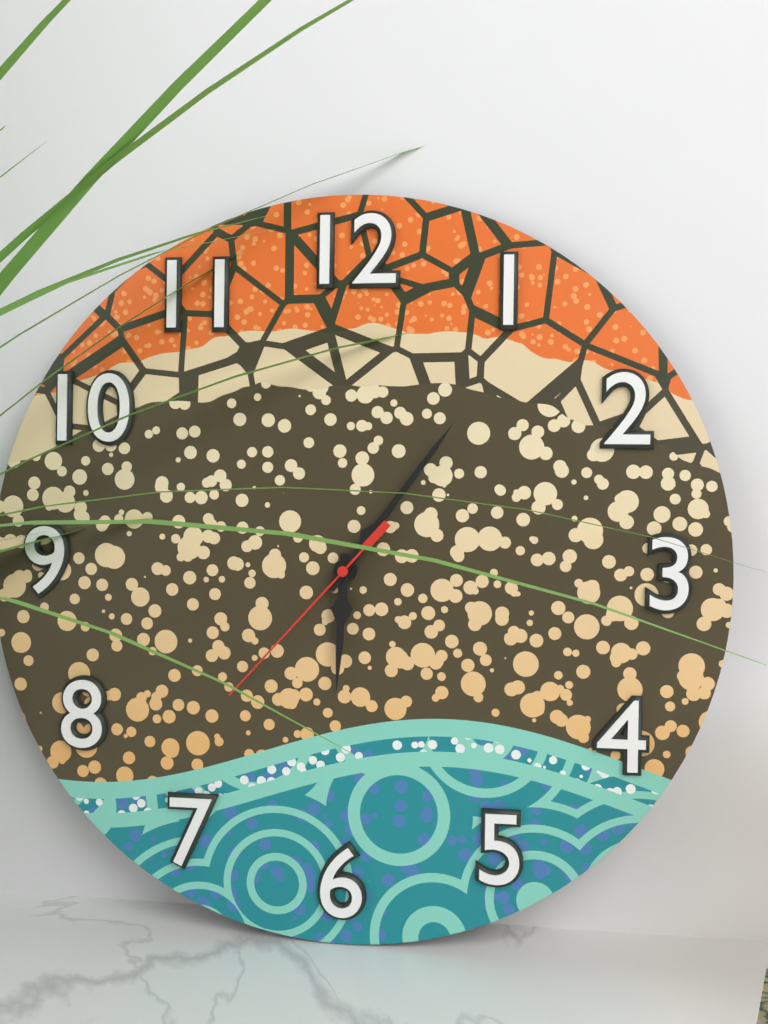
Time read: 6h06m37s
